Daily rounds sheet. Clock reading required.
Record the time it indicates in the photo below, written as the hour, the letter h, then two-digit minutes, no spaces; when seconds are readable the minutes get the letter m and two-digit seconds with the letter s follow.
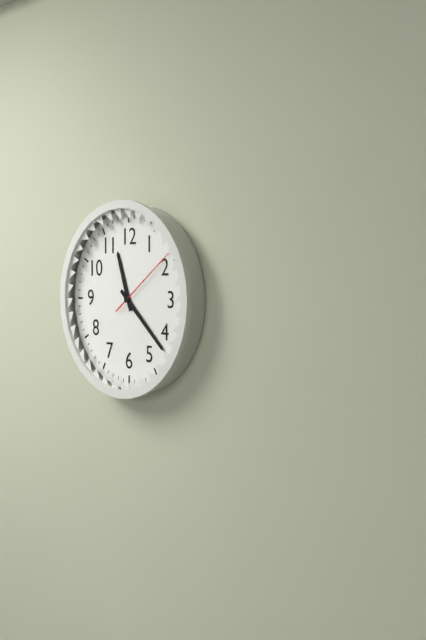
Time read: 11h22m09s
